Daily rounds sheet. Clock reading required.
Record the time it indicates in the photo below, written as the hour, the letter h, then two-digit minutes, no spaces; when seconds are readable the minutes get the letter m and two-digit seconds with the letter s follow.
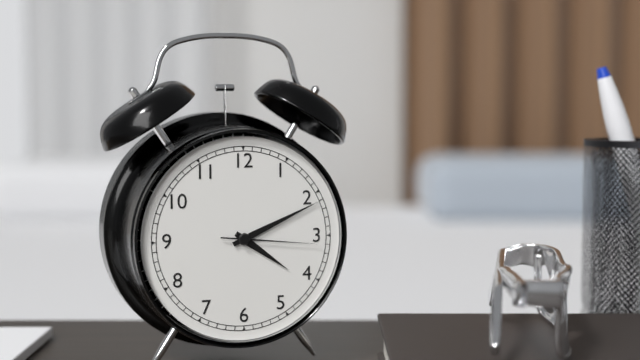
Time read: 4h11m16s
